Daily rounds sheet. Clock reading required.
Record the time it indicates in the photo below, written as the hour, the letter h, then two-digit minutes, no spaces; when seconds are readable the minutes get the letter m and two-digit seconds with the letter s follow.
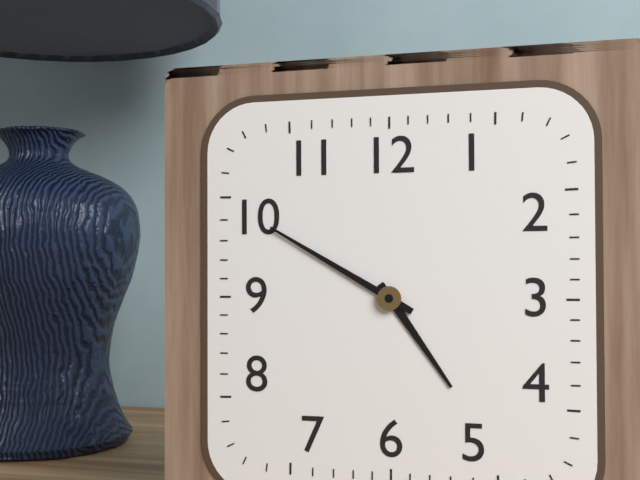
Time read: 4h50
